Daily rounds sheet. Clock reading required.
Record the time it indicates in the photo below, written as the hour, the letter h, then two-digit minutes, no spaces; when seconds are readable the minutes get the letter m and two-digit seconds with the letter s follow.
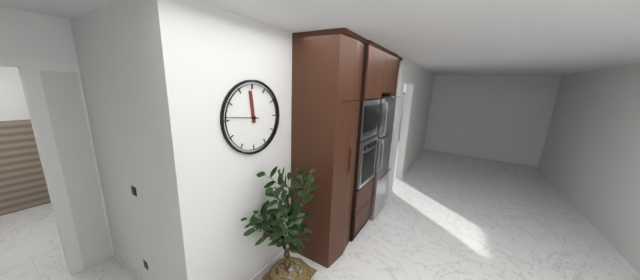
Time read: 11h46
